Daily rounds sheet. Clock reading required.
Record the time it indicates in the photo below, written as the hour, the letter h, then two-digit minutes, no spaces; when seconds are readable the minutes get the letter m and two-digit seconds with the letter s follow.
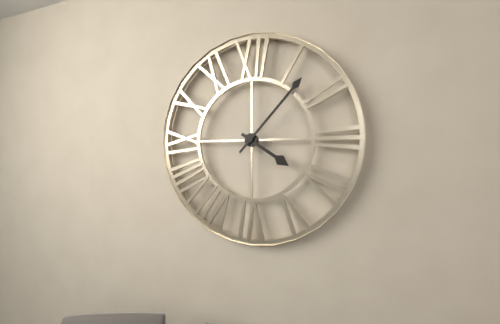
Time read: 4h07
